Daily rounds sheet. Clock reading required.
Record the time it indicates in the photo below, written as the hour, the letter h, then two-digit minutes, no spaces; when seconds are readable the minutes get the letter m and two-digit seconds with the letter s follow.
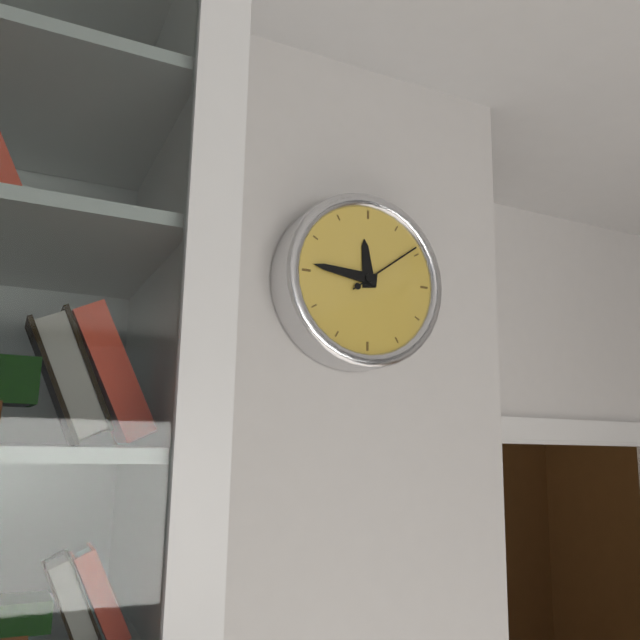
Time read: 11h46m09s
